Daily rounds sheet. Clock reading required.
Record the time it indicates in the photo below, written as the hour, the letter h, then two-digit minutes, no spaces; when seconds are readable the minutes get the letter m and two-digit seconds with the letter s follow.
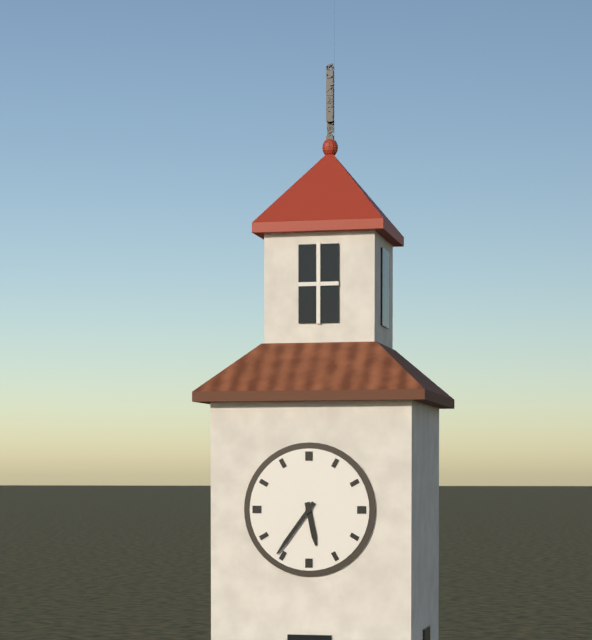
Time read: 5h36
